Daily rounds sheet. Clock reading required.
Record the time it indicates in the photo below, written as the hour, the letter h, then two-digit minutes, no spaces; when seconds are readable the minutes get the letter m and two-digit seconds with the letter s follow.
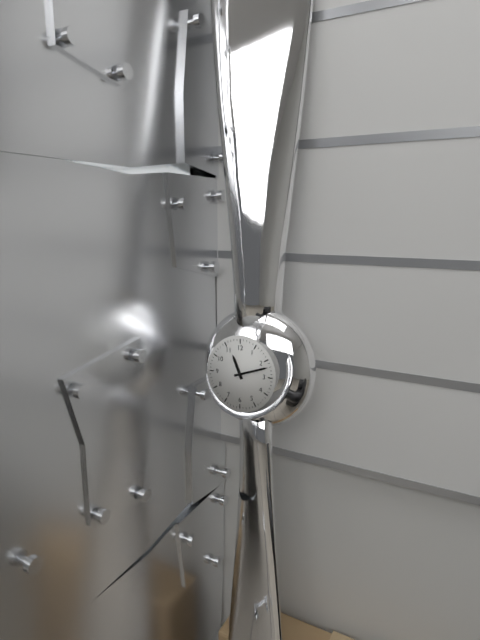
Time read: 11h12
